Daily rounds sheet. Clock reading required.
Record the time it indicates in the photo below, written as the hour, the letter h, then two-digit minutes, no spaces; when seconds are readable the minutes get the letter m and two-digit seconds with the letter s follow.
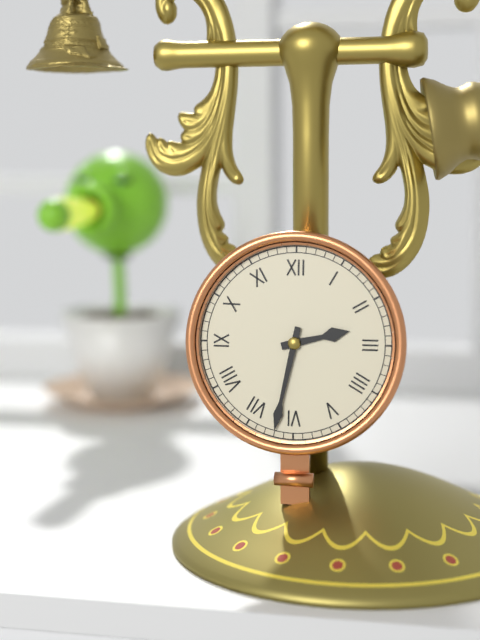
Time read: 2h32
